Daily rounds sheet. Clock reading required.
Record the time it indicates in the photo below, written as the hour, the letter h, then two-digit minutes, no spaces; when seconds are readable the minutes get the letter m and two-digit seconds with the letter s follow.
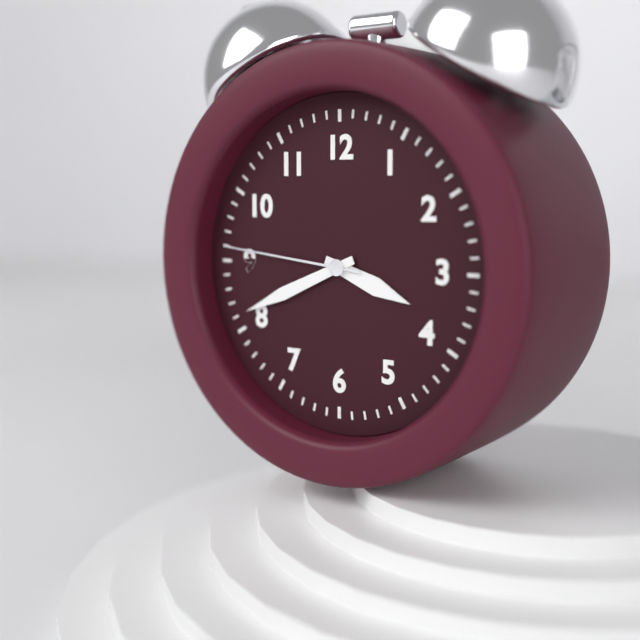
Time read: 3h41m46s
